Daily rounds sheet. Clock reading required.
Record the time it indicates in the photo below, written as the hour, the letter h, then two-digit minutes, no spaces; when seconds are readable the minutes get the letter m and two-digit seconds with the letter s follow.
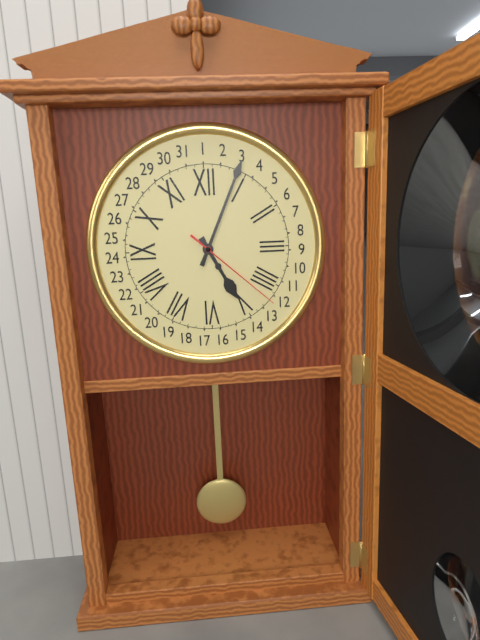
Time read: 5h04m22s
